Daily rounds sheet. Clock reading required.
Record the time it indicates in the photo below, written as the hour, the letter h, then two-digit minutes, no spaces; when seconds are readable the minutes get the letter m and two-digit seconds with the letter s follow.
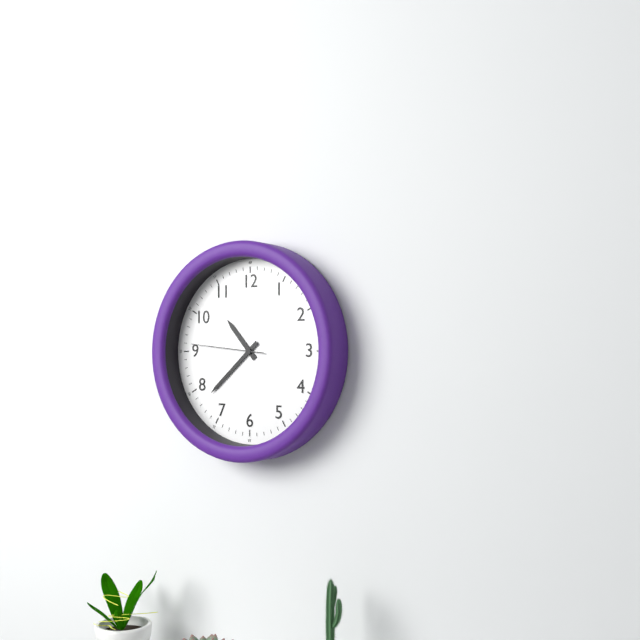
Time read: 10h38m46s
